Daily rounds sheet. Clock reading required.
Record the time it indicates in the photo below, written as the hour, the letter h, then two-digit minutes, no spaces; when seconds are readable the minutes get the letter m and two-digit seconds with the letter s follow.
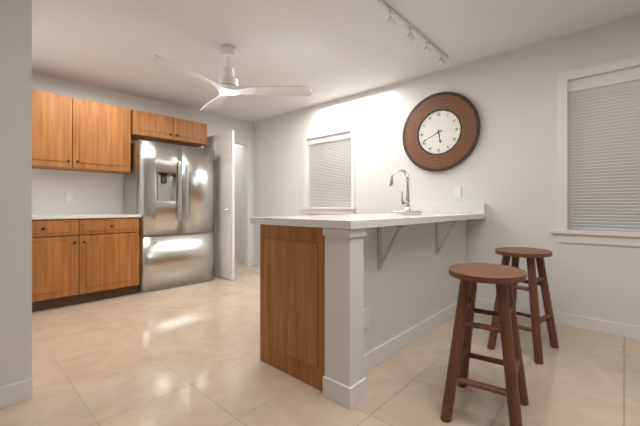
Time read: 5h41
